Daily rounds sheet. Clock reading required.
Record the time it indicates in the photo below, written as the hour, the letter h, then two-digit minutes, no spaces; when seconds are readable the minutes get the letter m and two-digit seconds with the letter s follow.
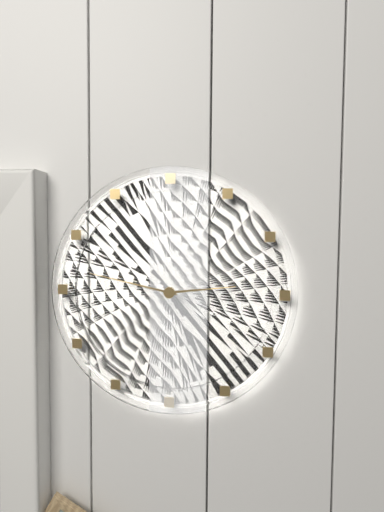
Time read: 2h47
